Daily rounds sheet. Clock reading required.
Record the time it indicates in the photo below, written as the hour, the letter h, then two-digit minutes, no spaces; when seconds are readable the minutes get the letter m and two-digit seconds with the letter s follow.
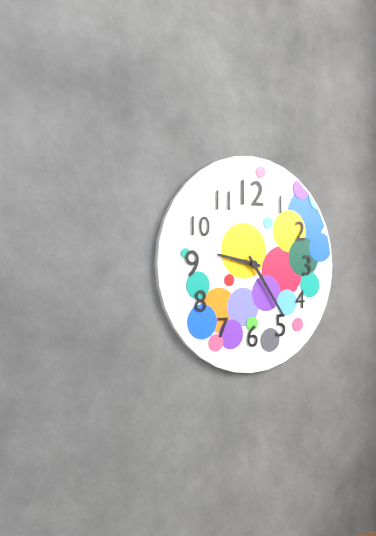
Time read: 9h24
